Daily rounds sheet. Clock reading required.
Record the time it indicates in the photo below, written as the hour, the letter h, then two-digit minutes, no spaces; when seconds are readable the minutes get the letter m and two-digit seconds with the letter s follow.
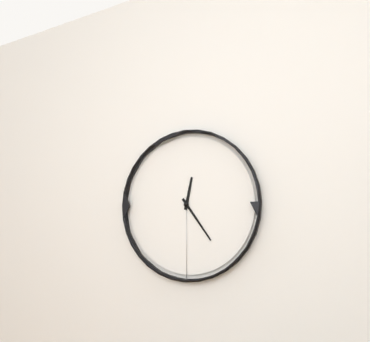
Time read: 12h24
